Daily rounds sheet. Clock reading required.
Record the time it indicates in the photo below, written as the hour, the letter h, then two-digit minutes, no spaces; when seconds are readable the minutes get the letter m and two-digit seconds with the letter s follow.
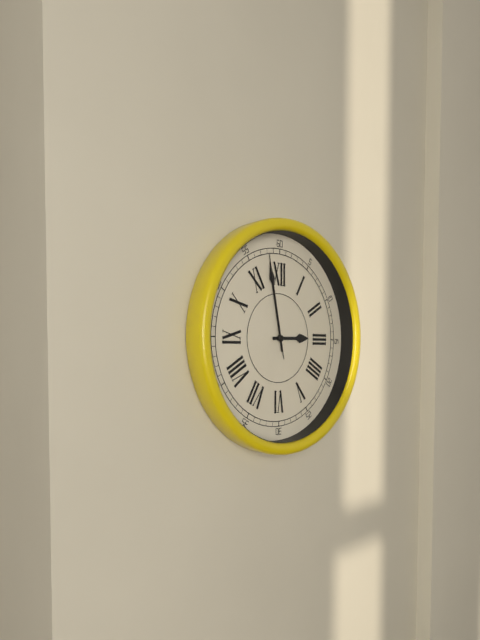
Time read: 2h58m58s
